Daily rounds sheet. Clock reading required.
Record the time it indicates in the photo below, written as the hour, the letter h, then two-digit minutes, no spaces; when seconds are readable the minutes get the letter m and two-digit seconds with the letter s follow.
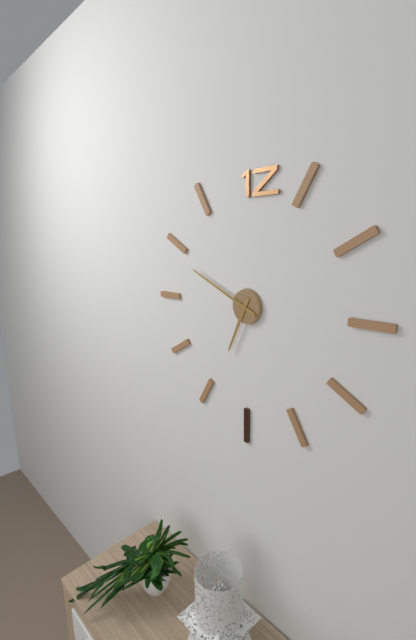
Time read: 6h49
